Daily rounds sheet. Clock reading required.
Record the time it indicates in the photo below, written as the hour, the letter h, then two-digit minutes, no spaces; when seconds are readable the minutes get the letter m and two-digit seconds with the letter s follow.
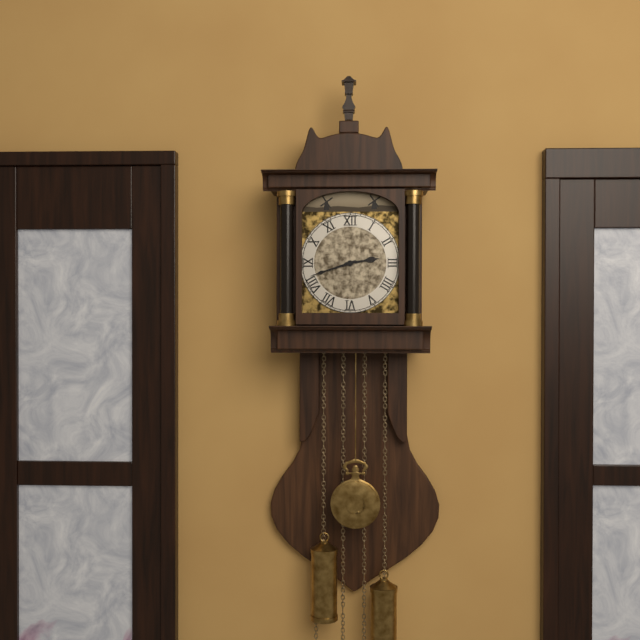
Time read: 2h42
